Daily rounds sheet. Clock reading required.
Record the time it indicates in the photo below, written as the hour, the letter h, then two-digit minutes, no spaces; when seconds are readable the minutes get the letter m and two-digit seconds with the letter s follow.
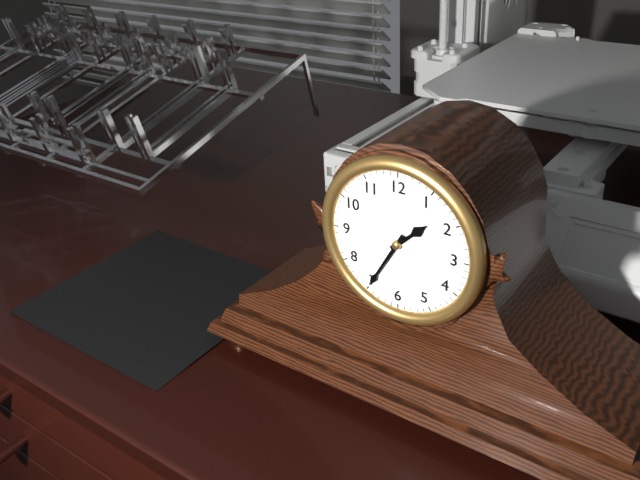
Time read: 1h35
